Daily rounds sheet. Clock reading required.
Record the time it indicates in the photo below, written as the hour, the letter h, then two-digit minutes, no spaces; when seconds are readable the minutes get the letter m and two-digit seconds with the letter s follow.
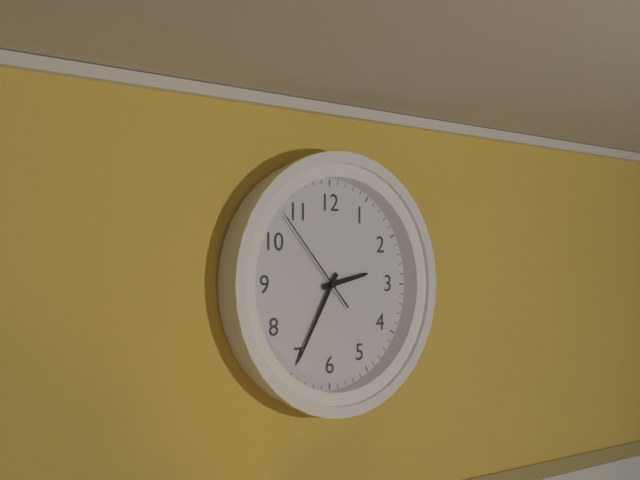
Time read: 2h35m53s
